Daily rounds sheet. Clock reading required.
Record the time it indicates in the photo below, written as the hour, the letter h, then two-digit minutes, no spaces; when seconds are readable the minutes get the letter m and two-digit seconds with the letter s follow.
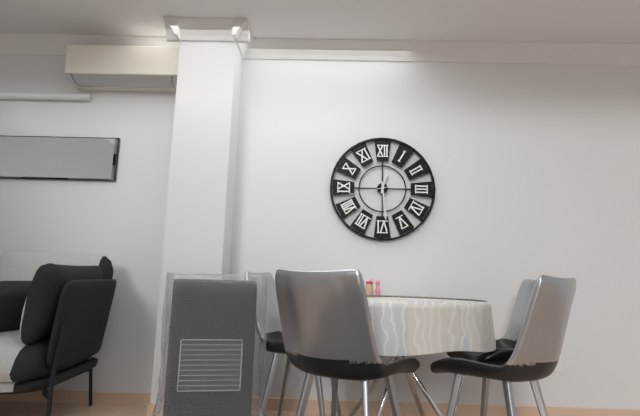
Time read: 12h29
